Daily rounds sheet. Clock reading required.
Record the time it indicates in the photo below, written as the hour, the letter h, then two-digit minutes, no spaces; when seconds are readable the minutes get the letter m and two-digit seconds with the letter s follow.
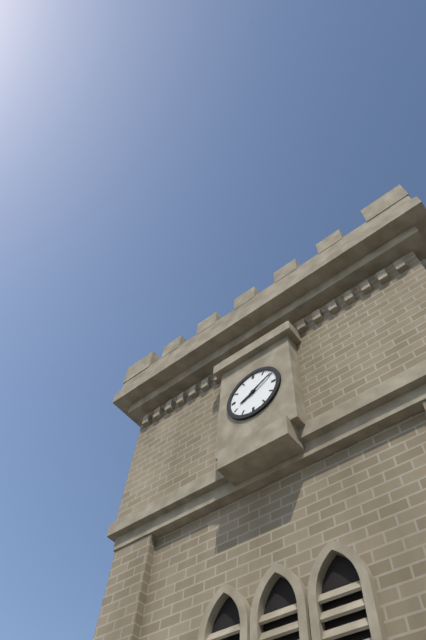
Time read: 8h10
